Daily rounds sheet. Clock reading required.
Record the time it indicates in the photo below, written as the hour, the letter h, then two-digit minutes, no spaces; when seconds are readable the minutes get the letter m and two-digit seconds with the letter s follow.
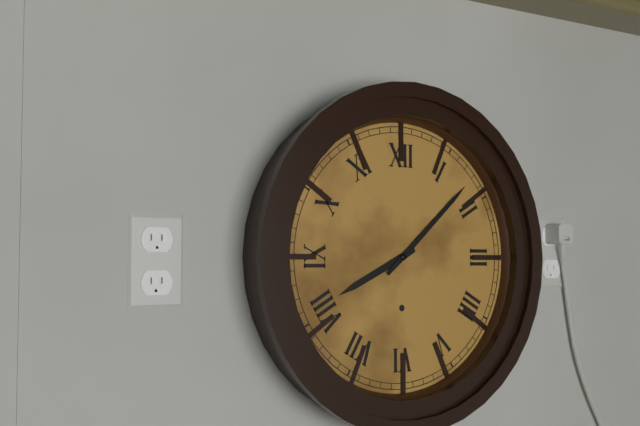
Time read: 8h08
